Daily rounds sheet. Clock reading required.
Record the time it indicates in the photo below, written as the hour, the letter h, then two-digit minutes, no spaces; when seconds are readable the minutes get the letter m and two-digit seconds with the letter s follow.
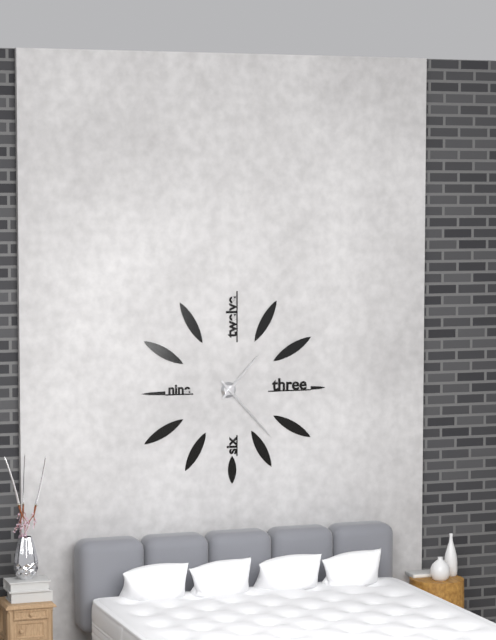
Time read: 1h23
